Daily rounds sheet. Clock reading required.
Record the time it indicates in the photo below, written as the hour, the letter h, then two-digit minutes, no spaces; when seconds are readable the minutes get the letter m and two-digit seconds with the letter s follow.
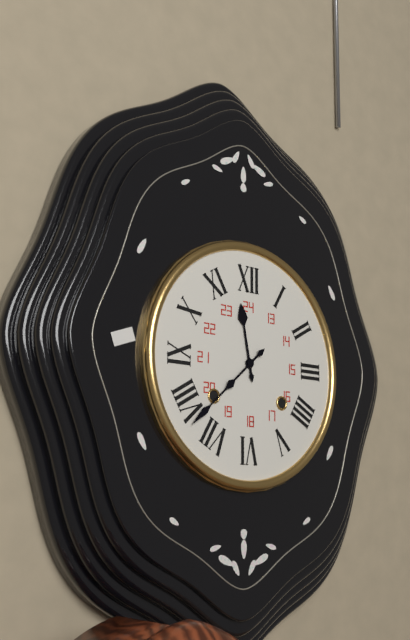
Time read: 11h38
